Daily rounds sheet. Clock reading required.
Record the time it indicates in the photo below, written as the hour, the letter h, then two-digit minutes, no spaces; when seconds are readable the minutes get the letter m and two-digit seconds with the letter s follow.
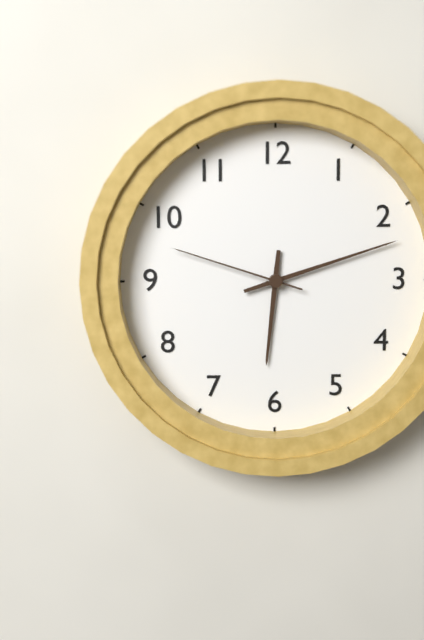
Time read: 6h12m48s
